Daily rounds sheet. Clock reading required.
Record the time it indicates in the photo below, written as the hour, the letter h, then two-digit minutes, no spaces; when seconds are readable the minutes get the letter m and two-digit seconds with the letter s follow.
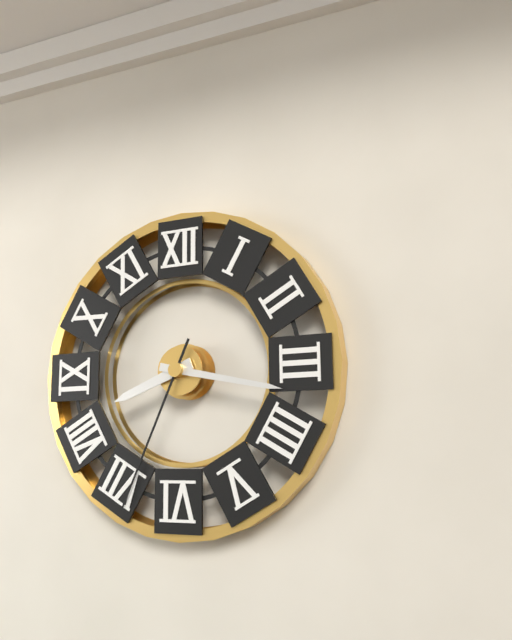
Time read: 8h17m34s
